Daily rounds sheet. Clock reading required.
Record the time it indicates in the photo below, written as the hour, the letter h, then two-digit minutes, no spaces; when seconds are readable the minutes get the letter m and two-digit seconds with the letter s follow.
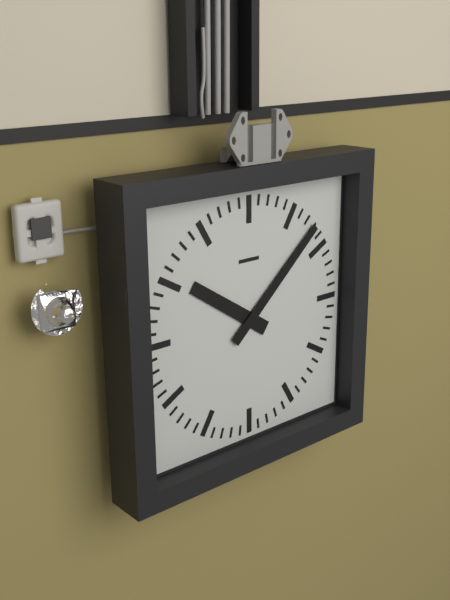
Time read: 10h08
